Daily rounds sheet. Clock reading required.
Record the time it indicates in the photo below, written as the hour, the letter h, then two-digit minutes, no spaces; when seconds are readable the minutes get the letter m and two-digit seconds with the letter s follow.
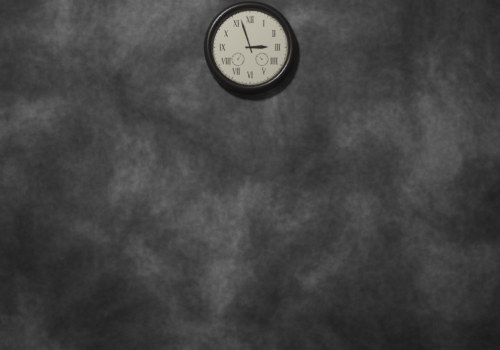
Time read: 2h57
